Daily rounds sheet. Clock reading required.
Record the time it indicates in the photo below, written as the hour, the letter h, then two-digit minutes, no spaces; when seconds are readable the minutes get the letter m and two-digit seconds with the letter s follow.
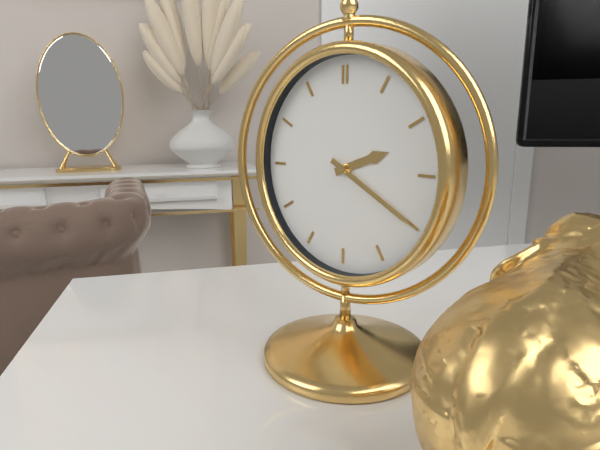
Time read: 2h20
